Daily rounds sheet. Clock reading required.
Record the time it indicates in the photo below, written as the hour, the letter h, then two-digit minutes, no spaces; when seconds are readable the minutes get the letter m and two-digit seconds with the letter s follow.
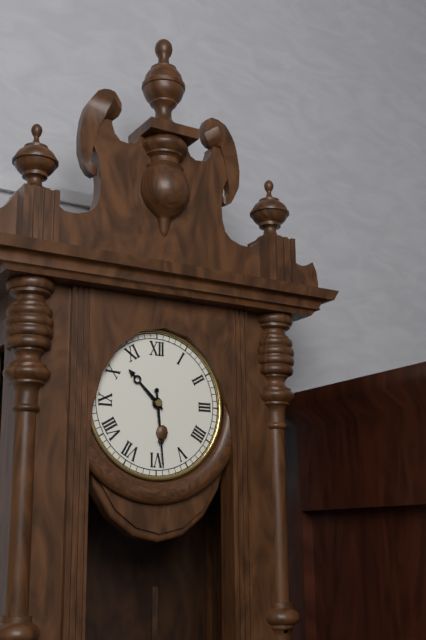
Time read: 10h29
